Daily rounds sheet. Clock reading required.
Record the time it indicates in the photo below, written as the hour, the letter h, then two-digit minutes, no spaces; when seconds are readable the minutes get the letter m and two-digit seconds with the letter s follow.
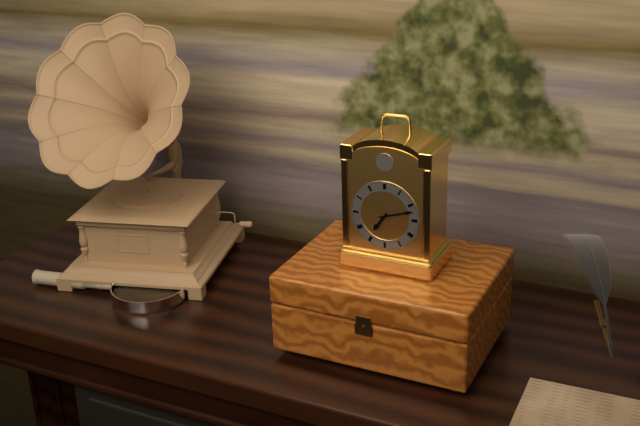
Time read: 7h12
